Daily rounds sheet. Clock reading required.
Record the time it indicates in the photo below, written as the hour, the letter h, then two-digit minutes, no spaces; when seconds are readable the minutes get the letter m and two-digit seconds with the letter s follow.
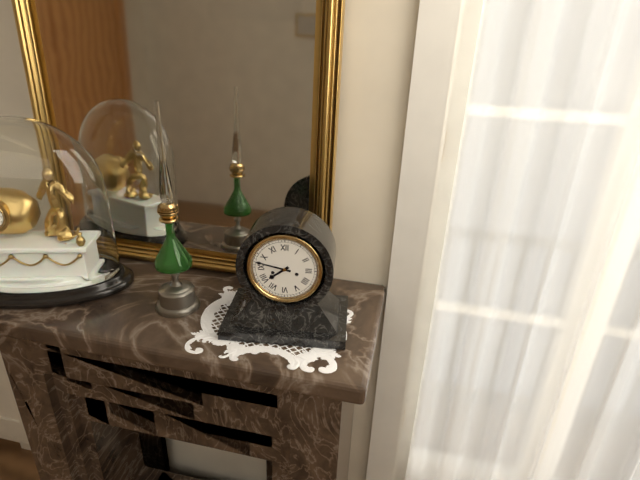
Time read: 7h47
